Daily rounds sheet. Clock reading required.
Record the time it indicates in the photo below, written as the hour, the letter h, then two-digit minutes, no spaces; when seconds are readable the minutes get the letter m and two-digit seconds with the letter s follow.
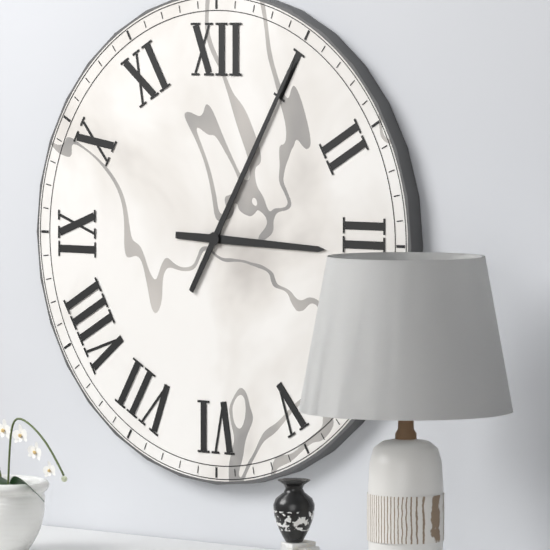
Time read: 3h05
